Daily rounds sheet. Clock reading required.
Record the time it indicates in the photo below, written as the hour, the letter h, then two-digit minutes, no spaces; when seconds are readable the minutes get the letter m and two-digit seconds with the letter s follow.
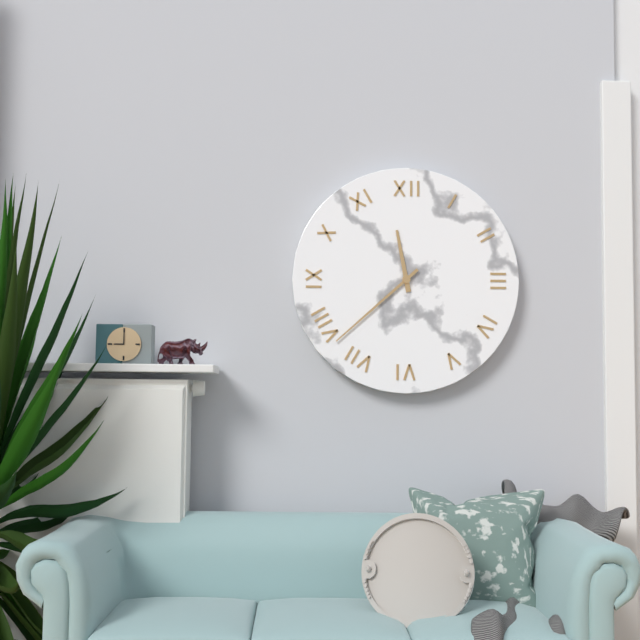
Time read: 11h38
